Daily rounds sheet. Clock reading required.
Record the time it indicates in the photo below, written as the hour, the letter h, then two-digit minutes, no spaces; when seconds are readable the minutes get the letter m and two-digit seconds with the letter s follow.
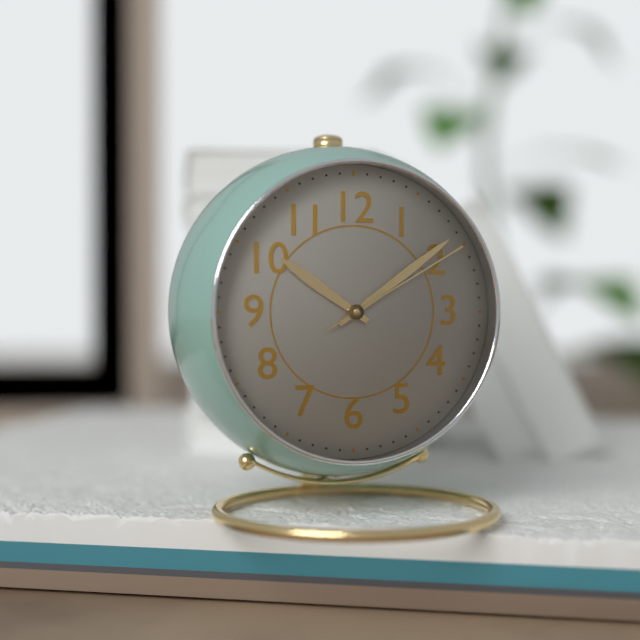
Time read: 10h09m10s
